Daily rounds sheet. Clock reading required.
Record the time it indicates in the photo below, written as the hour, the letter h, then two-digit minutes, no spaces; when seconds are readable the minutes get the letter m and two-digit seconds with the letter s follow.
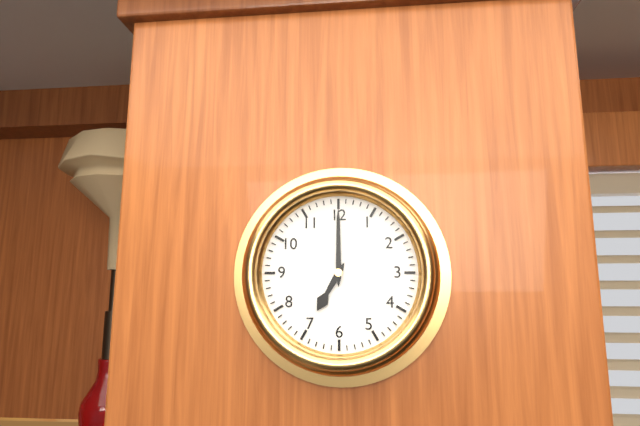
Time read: 7h00
